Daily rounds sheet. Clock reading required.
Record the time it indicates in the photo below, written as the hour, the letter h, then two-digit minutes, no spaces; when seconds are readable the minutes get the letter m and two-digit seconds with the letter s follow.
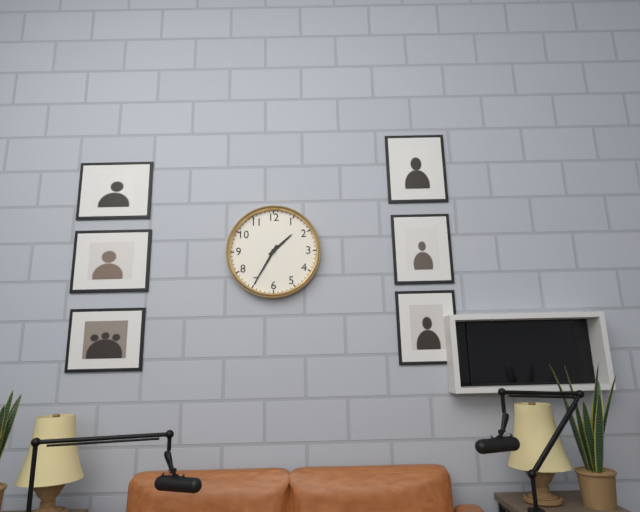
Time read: 1h35
